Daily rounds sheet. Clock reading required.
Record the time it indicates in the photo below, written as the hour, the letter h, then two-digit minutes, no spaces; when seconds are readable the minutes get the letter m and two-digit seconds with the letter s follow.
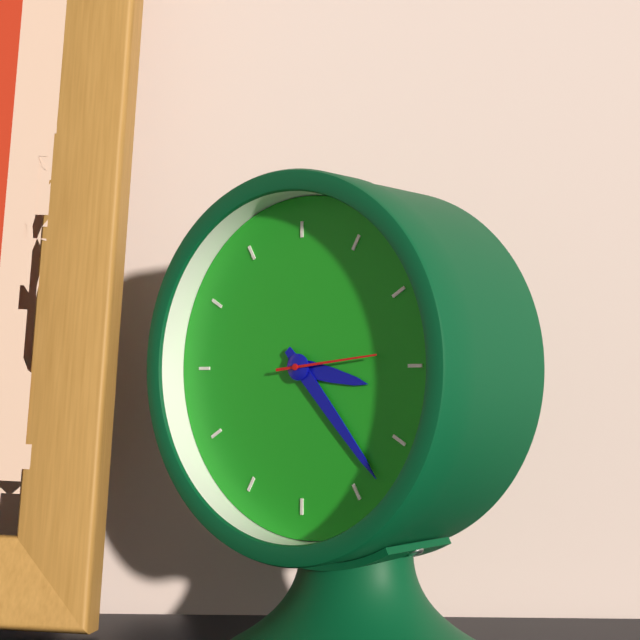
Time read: 3h23m14s
